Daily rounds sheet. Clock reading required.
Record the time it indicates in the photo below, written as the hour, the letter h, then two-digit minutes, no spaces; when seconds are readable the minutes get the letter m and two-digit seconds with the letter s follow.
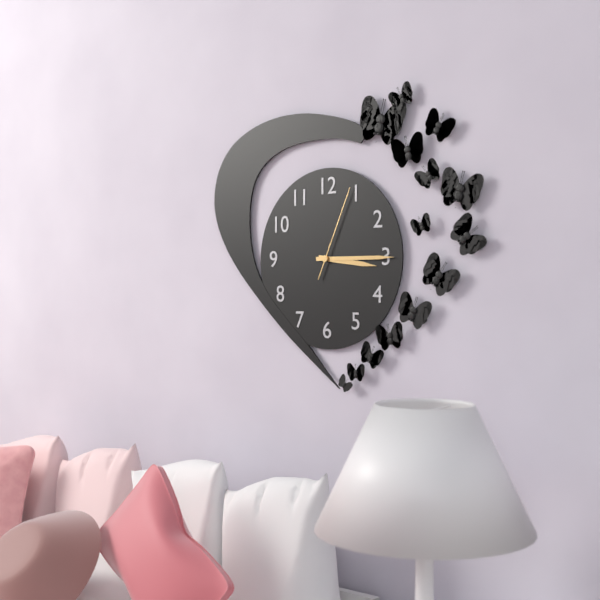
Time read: 3h15m04s
